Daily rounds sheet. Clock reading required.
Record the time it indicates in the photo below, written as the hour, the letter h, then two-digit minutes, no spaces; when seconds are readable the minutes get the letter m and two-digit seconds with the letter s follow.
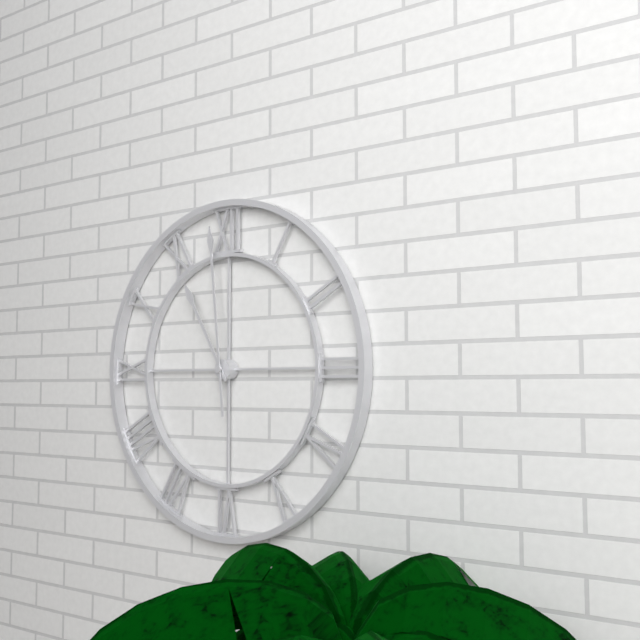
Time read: 10h59
